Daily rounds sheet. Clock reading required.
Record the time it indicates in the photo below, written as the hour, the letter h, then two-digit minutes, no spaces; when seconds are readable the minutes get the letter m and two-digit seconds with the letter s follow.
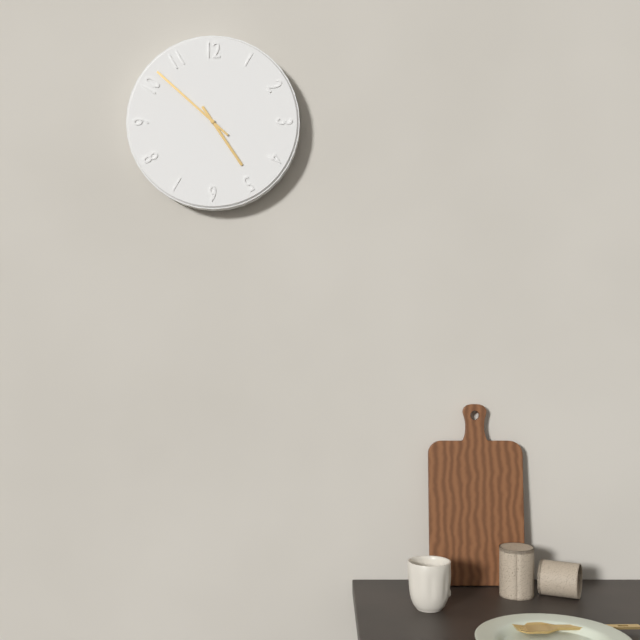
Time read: 4h52
